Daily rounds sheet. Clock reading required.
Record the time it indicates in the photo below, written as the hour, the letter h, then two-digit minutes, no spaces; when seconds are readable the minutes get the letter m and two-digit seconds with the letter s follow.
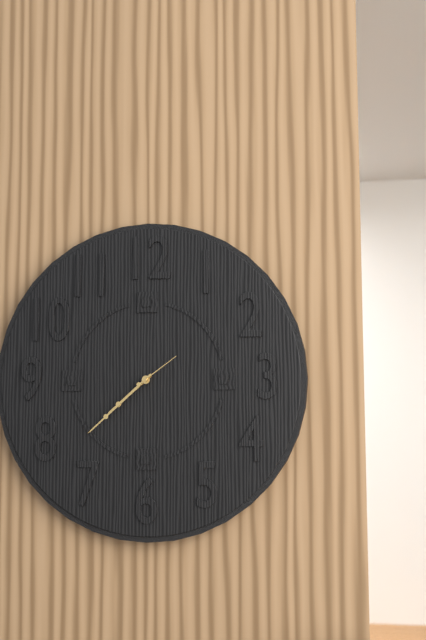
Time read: 7h38m09s
